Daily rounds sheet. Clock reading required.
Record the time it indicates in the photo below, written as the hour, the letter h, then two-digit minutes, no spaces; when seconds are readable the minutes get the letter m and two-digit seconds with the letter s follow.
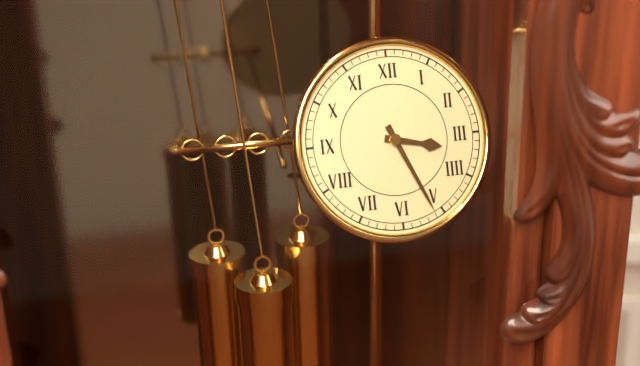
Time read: 3h26
